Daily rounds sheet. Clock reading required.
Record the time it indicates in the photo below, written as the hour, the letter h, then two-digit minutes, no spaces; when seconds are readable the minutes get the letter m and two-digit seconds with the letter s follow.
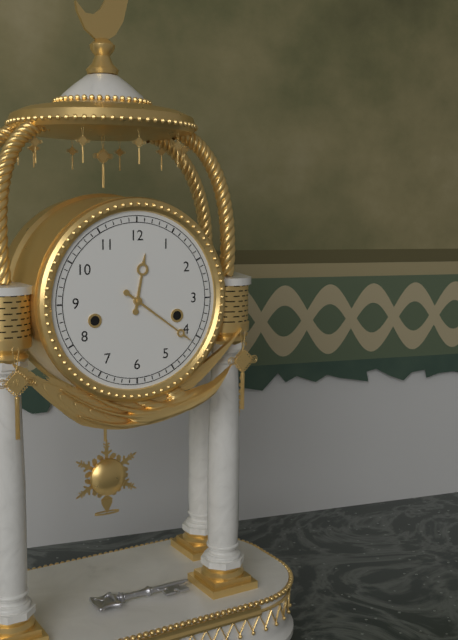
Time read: 12h21
